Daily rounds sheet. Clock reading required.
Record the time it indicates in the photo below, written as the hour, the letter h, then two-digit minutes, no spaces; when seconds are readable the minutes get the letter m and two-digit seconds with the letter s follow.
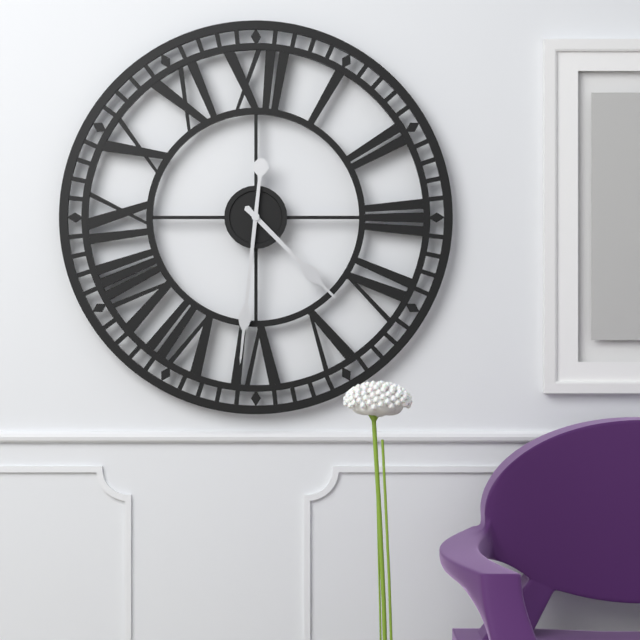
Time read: 4h31
